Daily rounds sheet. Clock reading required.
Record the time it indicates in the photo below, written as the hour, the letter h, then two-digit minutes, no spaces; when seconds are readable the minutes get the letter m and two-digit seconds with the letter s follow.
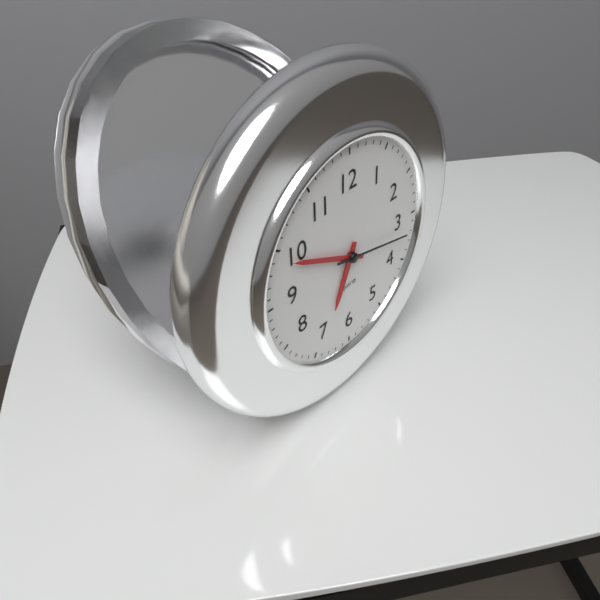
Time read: 6h49m17s
